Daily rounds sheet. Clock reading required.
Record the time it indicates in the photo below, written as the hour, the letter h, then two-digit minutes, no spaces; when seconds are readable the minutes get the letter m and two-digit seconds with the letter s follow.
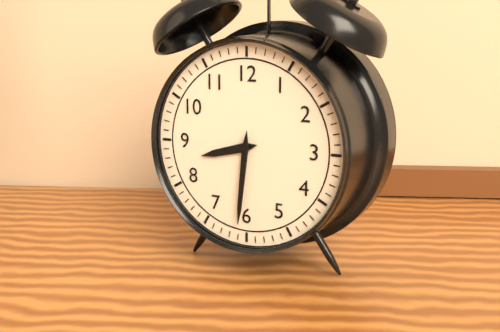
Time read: 8h31
